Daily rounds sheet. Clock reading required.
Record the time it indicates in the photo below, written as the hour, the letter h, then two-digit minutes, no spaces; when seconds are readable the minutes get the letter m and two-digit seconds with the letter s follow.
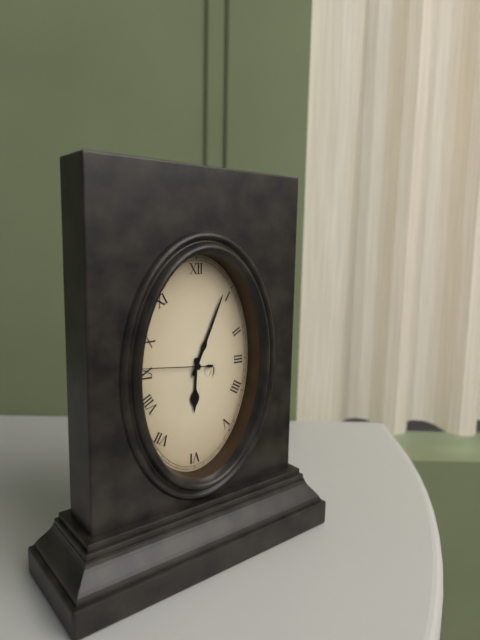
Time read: 6h04m46s
